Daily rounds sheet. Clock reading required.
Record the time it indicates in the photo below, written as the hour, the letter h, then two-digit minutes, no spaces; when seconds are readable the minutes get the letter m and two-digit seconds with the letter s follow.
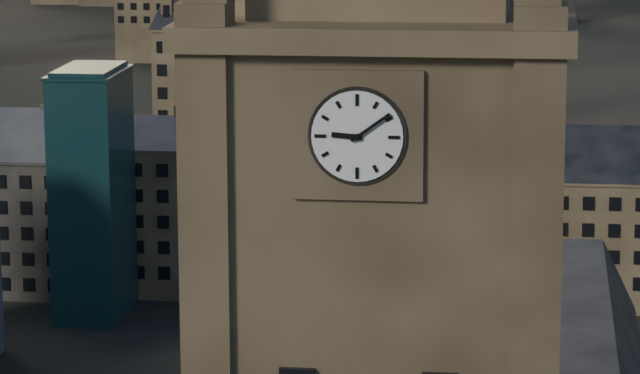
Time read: 9h09
